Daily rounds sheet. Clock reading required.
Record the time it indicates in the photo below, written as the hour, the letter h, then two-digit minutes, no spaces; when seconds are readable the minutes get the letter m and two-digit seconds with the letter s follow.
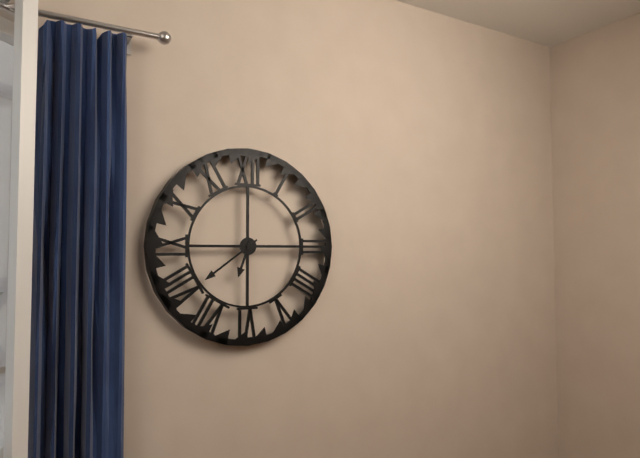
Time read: 6h39
